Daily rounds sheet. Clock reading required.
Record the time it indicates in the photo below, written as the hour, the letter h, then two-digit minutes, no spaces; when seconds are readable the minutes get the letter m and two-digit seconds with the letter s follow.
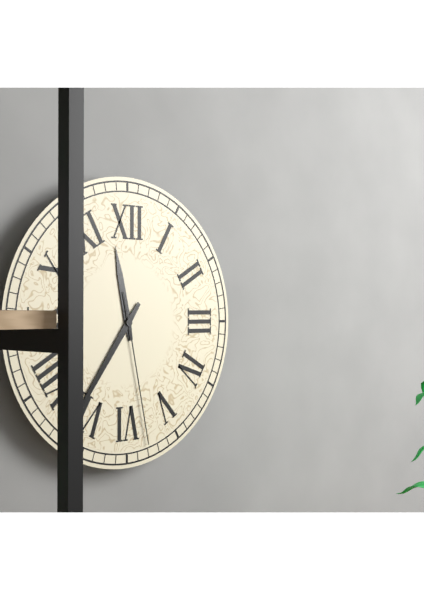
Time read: 11h36m28s
